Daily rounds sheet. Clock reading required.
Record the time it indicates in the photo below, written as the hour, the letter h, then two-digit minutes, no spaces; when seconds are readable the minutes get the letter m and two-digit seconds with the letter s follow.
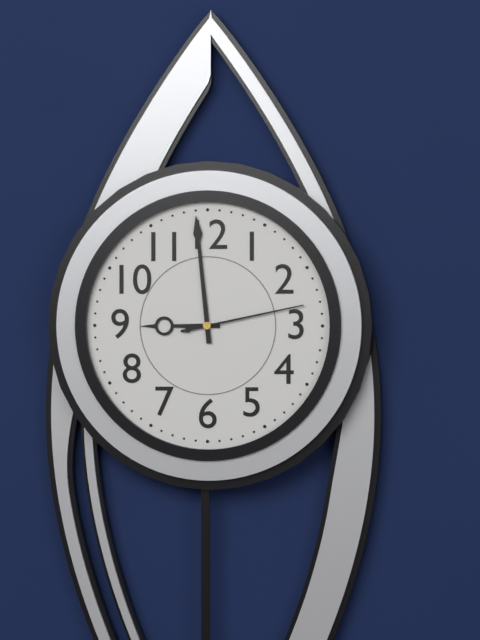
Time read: 8h59m13s
